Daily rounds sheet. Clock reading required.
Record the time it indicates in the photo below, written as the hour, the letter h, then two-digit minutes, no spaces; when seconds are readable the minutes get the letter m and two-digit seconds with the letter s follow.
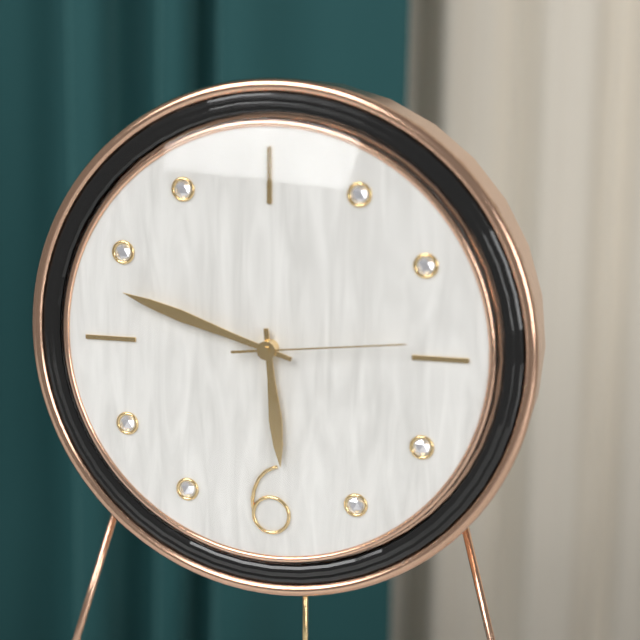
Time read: 5h48m14s
